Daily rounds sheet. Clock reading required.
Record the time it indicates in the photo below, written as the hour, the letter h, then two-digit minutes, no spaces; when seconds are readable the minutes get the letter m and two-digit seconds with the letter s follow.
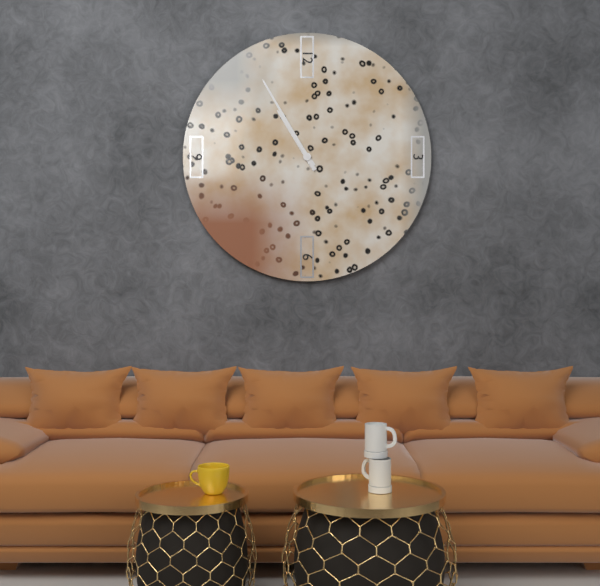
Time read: 10h55
